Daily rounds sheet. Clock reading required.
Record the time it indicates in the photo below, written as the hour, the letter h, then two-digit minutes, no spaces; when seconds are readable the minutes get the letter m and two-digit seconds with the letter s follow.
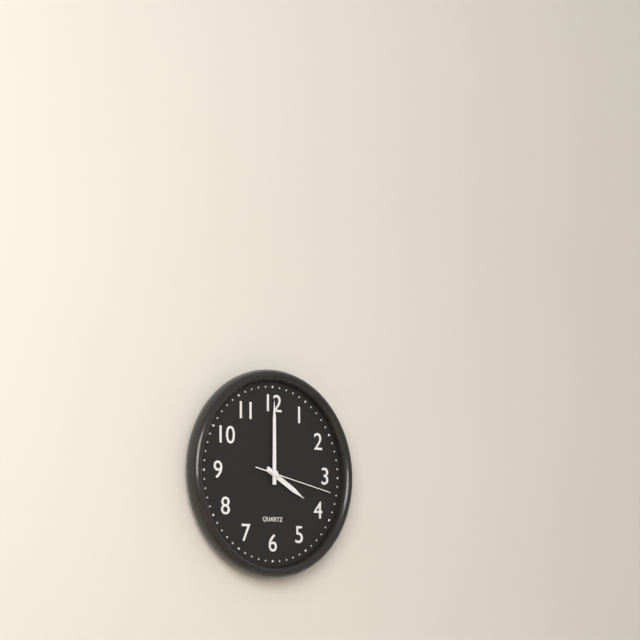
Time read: 4h00m17s
